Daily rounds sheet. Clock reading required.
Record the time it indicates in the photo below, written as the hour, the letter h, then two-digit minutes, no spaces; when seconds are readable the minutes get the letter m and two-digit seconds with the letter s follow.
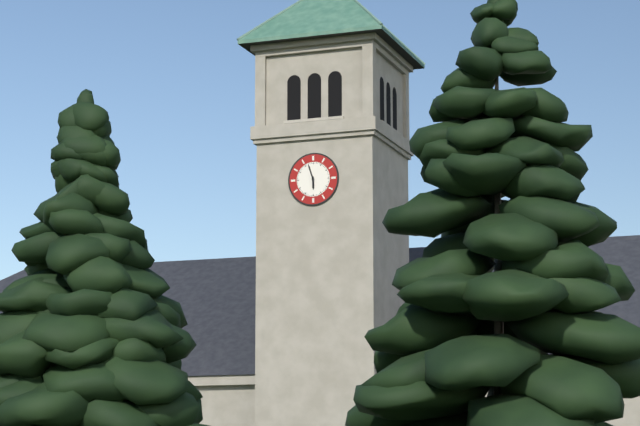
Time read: 5h57
